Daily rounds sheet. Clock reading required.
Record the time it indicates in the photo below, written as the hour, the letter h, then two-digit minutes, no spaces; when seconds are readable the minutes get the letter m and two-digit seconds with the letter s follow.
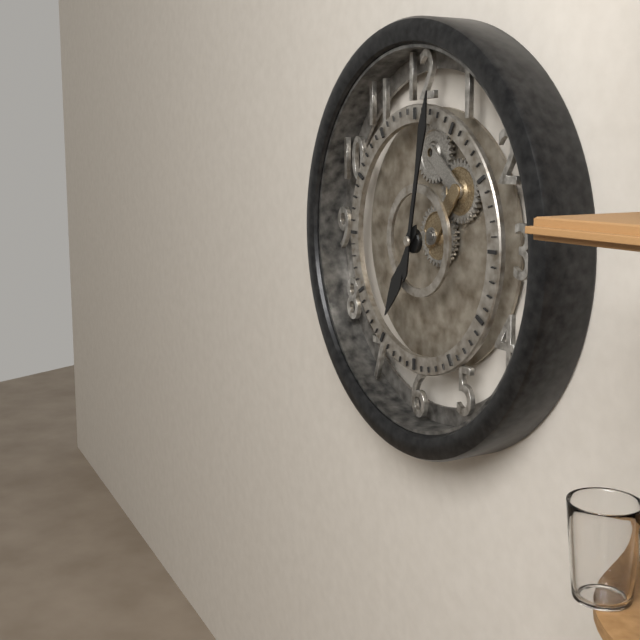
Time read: 7h02
